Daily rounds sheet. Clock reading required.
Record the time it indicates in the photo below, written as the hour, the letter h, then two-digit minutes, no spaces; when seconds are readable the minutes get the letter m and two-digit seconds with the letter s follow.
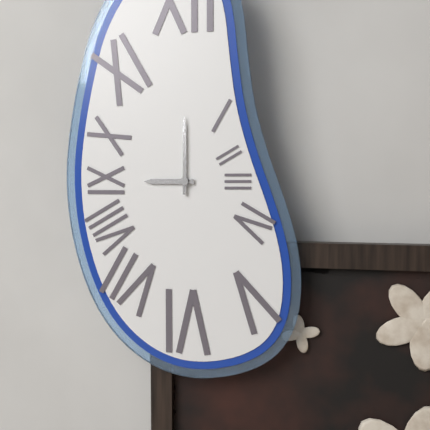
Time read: 9h00
